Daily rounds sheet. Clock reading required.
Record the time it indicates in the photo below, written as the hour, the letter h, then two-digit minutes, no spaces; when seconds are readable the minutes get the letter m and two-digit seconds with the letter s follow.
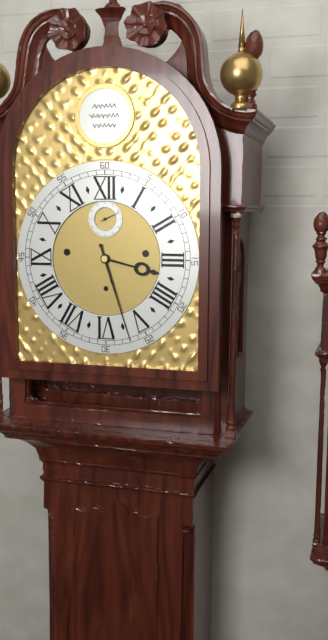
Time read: 3h27
